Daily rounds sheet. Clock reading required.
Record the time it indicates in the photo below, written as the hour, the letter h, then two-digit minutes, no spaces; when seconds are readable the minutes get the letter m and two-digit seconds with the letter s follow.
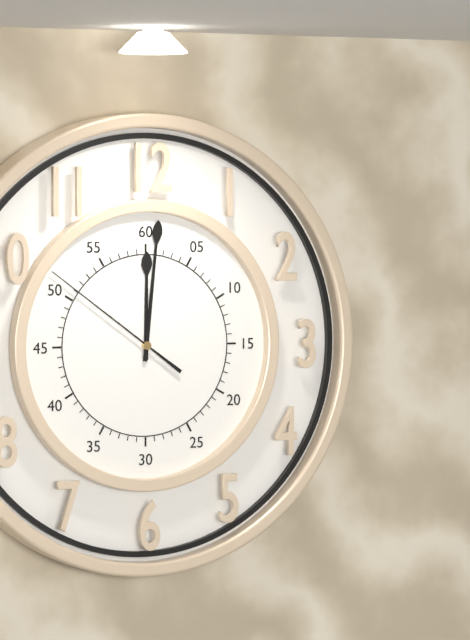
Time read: 12h01m51s
